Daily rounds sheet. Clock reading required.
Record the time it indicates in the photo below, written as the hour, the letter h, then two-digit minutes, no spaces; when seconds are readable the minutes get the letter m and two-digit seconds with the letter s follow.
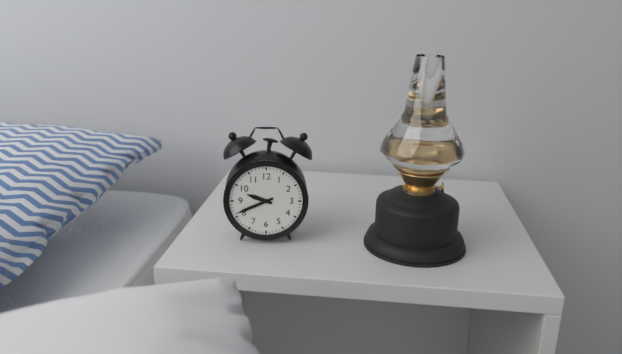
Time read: 9h41
